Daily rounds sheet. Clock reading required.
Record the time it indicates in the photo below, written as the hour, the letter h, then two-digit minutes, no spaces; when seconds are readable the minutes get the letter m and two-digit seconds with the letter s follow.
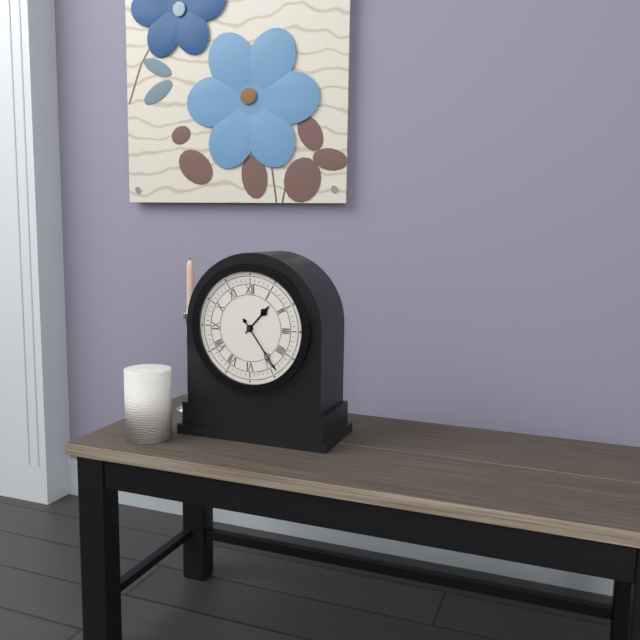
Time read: 1h24
